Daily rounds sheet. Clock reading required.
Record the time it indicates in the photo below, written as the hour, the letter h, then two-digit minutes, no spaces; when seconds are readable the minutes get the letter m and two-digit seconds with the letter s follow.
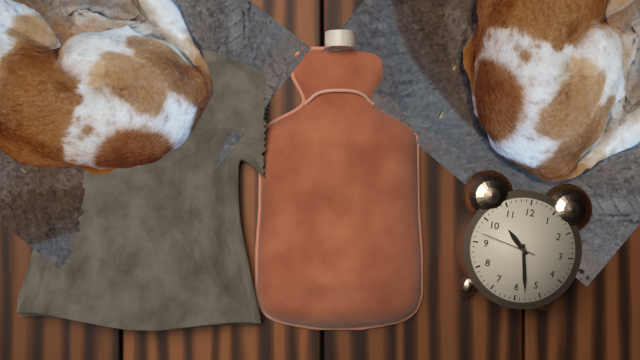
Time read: 10h28m47s
